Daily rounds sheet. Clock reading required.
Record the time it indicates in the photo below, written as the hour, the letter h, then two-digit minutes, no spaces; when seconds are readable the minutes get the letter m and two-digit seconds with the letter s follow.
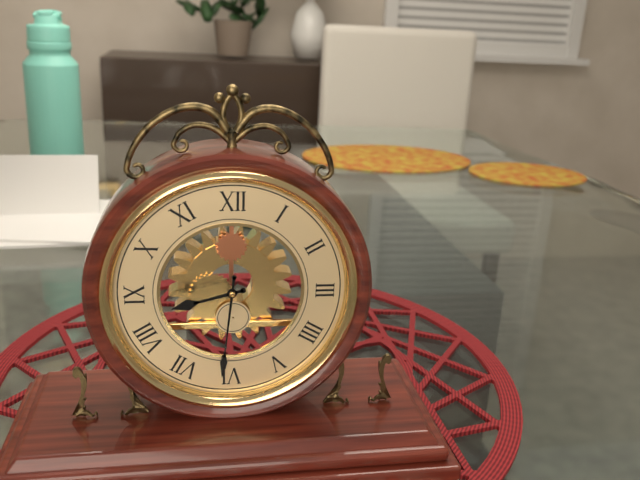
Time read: 8h31
